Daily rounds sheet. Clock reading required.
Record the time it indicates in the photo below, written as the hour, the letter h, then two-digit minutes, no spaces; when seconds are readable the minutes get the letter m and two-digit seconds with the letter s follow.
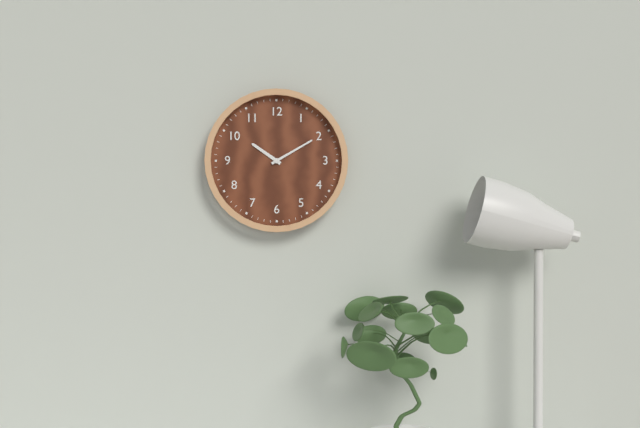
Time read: 10h10
